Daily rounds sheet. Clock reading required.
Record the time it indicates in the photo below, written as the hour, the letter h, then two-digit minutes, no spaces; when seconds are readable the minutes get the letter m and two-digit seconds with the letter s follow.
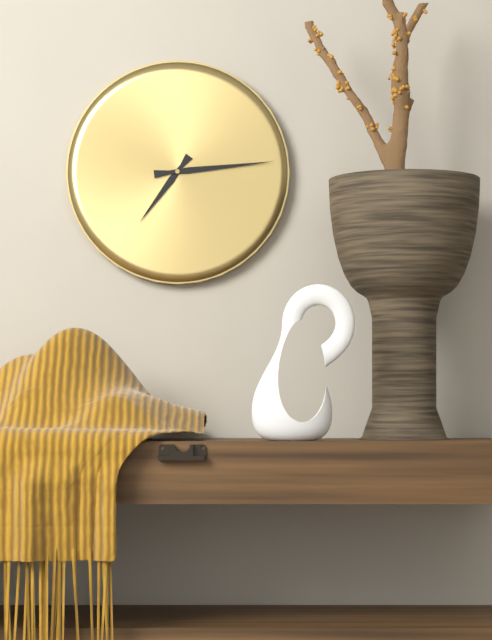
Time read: 7h14
